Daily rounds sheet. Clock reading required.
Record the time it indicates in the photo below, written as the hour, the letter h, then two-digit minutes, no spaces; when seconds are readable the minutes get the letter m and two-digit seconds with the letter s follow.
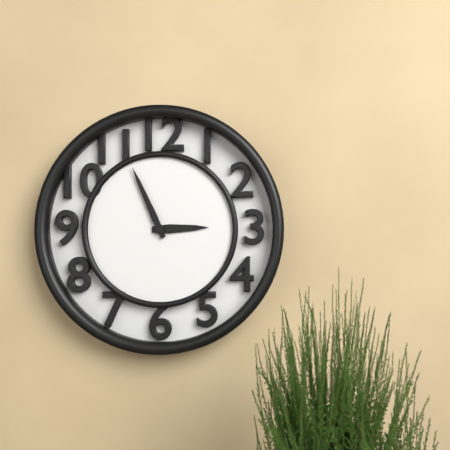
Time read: 2h56
